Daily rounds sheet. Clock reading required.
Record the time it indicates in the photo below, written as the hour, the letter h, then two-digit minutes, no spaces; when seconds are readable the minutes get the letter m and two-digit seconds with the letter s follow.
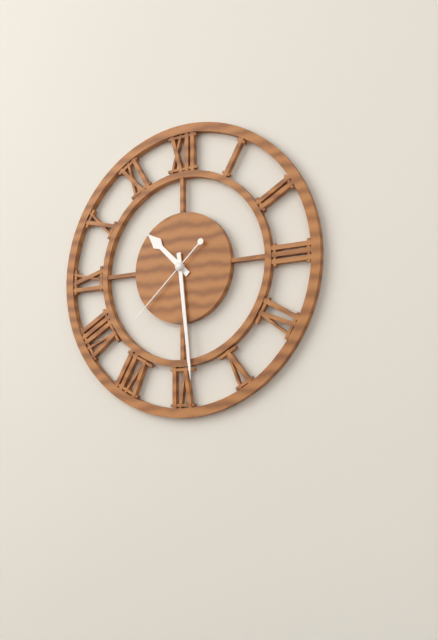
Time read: 10h29m38s
